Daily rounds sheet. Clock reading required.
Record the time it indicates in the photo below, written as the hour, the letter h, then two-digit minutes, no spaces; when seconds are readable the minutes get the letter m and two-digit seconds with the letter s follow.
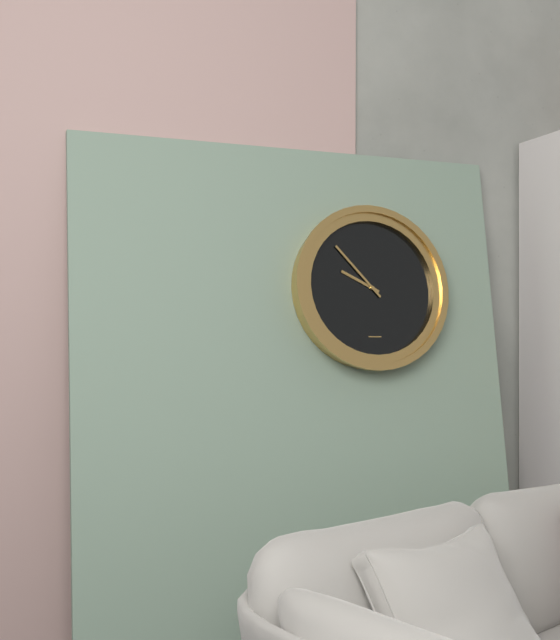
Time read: 9h53
